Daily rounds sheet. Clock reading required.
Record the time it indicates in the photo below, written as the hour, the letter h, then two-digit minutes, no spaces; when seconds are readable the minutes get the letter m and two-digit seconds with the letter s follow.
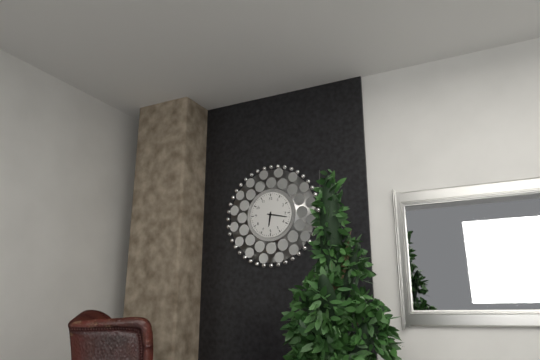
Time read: 6h17
